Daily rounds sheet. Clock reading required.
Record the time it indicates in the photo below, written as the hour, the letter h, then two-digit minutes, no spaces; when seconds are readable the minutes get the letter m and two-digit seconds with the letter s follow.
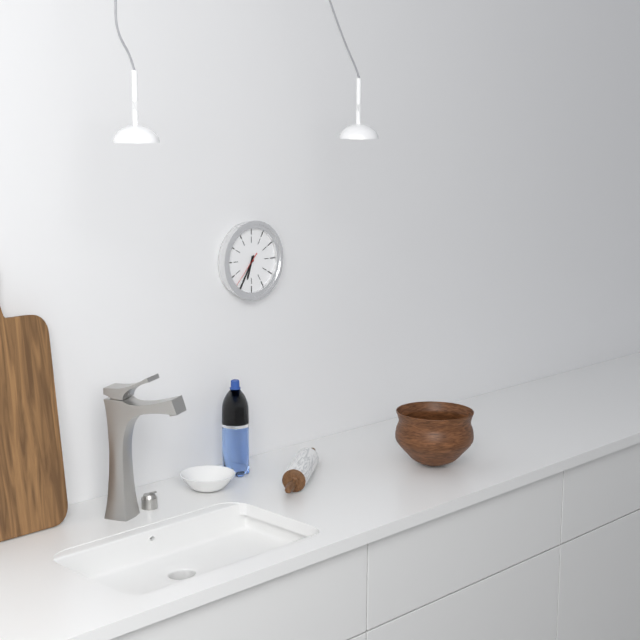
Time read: 6h35
